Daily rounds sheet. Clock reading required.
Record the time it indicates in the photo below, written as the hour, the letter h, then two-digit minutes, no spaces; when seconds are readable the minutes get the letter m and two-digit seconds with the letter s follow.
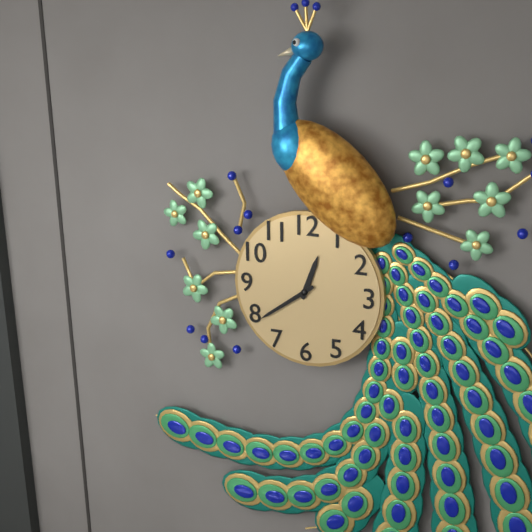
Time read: 12h39
